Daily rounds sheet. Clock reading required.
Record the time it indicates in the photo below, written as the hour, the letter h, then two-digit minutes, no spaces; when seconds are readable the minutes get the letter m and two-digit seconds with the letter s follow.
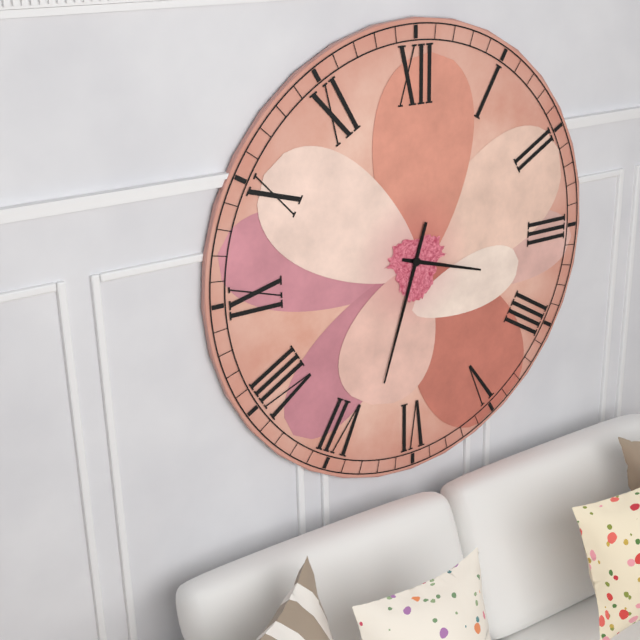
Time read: 3h33
